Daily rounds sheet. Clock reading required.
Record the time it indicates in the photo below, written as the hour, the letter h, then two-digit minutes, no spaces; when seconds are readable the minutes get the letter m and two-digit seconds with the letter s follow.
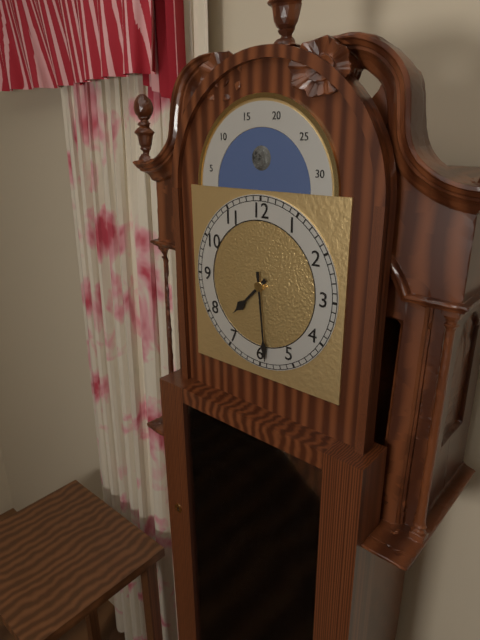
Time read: 7h29
